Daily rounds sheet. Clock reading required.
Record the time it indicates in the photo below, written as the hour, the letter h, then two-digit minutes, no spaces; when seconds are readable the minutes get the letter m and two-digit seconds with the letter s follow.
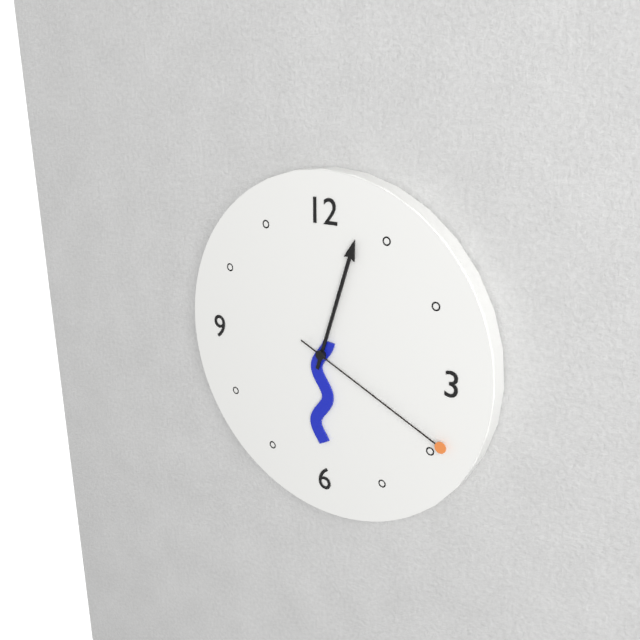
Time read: 6h03m19s
